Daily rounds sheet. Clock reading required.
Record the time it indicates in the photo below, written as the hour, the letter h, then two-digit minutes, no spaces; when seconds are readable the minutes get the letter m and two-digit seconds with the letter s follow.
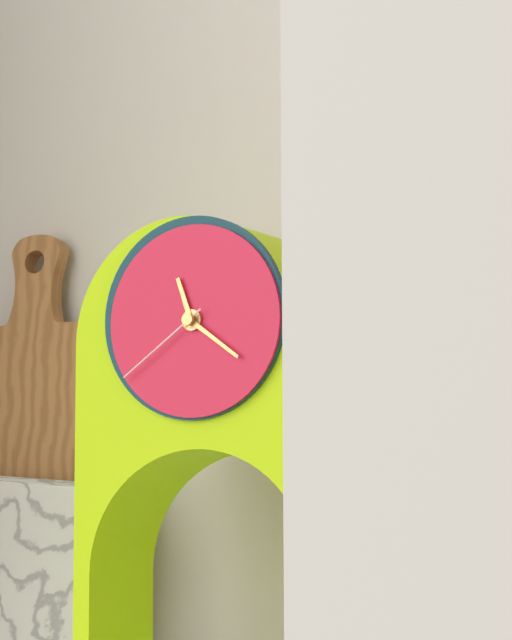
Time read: 11h21m39s
